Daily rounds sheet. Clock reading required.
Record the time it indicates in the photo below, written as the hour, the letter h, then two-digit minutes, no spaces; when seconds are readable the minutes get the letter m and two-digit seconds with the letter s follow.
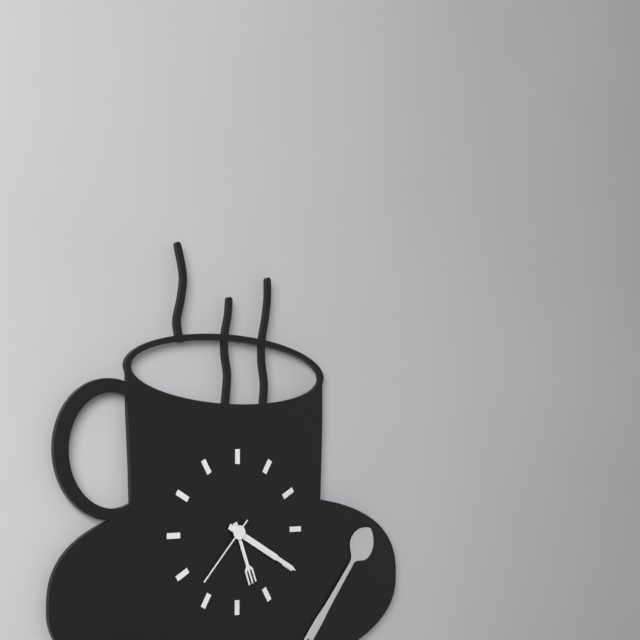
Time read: 5h20m37s
